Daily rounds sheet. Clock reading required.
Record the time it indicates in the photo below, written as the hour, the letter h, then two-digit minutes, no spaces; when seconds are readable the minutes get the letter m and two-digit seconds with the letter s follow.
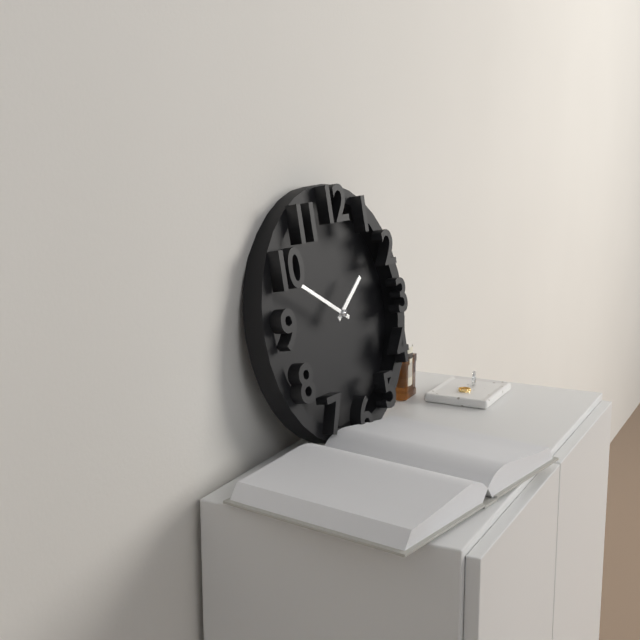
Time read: 1h50
